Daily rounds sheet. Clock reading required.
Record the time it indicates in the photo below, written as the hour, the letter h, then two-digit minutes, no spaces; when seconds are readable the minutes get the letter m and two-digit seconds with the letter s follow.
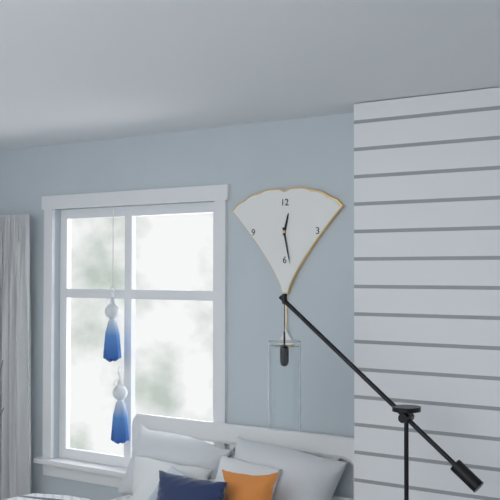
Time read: 12h28
